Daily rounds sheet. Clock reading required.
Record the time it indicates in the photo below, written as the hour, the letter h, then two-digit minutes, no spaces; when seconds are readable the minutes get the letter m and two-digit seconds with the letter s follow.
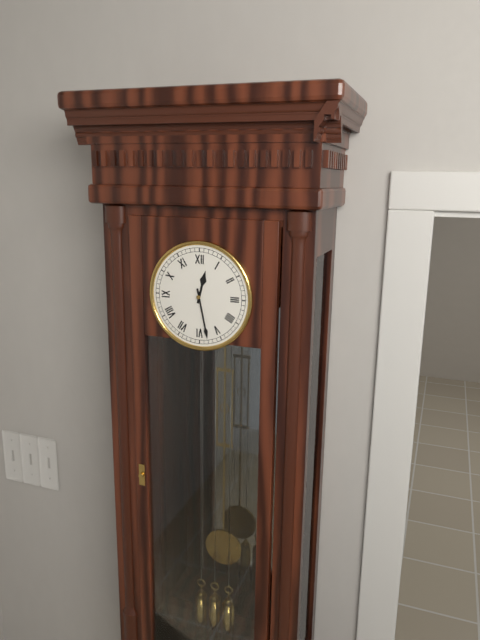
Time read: 12h28
